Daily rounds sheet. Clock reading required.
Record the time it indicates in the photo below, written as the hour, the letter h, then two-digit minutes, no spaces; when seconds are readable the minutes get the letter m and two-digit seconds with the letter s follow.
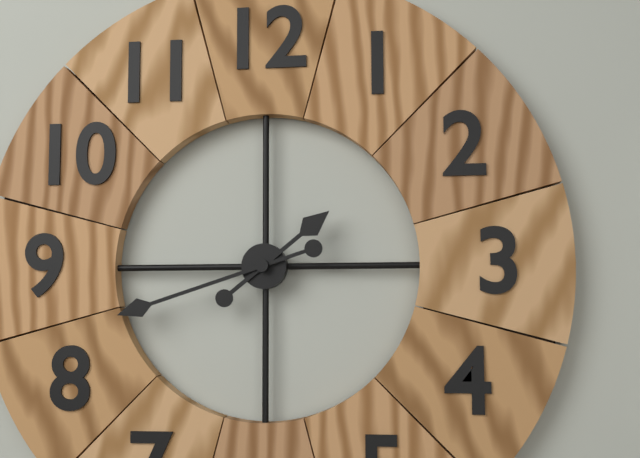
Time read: 1h42
